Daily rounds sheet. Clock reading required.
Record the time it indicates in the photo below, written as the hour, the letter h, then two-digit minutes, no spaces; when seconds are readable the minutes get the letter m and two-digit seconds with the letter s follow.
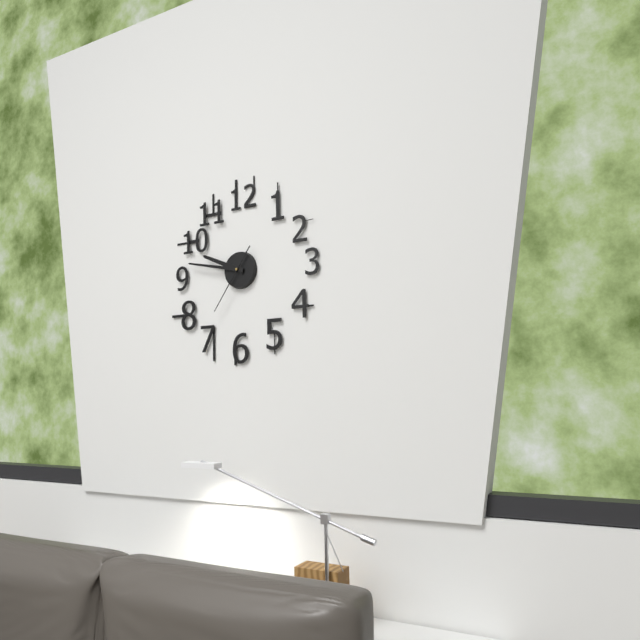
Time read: 9h47m36s
